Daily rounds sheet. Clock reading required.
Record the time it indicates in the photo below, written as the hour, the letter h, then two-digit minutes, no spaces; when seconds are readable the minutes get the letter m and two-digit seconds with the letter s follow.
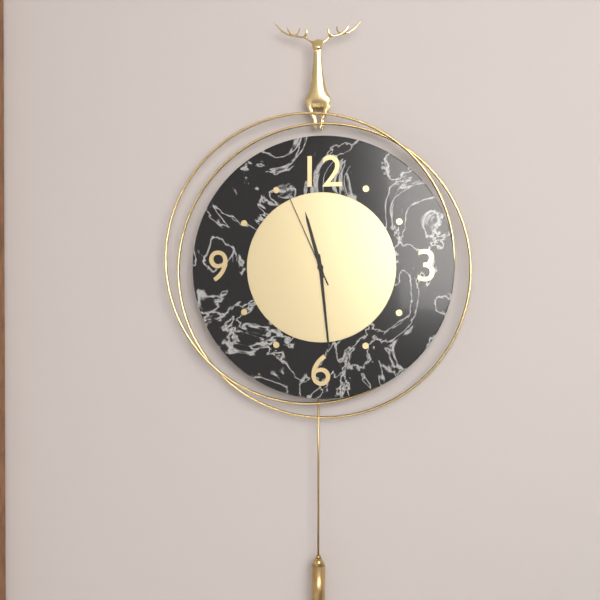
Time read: 11h29m56s
